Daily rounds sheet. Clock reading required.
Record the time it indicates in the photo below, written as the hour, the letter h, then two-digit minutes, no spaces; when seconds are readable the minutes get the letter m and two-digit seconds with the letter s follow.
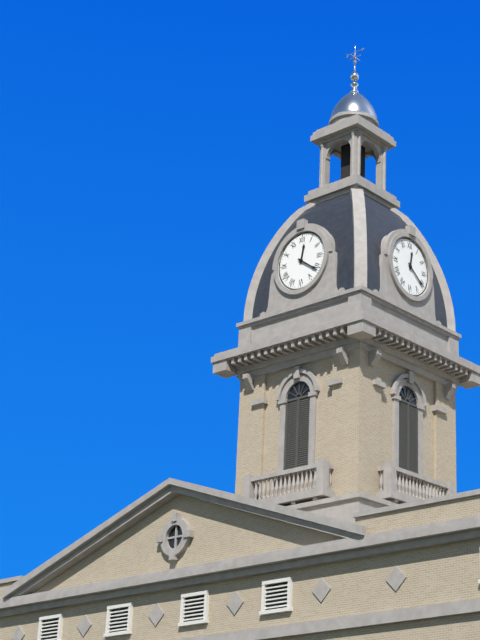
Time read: 12h21
